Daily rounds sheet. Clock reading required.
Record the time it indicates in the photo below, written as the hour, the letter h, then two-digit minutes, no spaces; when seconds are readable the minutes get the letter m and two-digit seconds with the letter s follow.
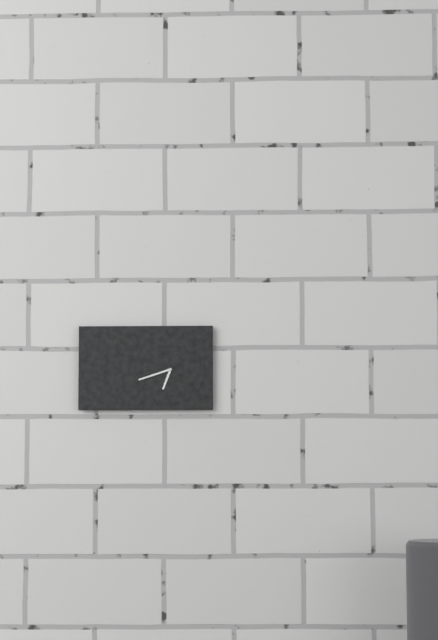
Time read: 6h42
